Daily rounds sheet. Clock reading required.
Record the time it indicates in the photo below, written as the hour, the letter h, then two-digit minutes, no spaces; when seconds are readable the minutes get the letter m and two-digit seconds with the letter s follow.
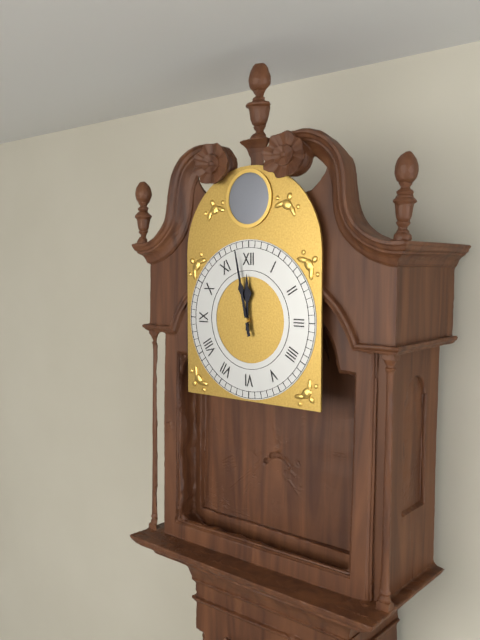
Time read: 11h58
